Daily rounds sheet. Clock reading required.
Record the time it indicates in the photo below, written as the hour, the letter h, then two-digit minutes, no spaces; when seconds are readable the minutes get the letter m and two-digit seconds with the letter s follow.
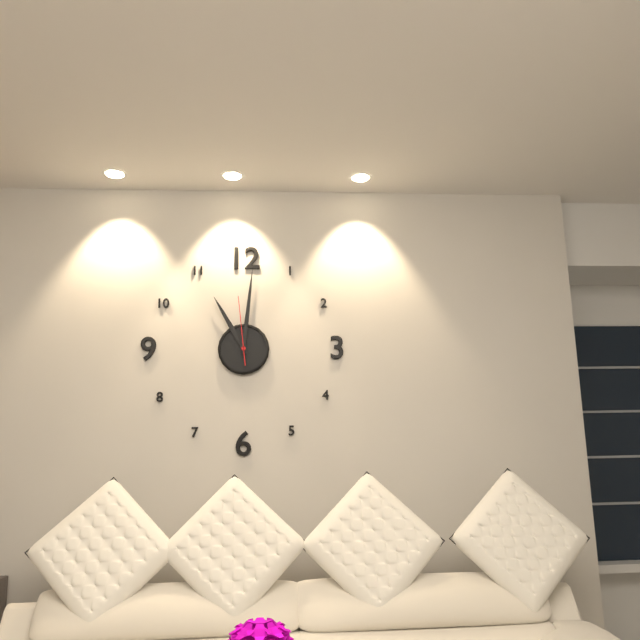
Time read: 11h01m59s
